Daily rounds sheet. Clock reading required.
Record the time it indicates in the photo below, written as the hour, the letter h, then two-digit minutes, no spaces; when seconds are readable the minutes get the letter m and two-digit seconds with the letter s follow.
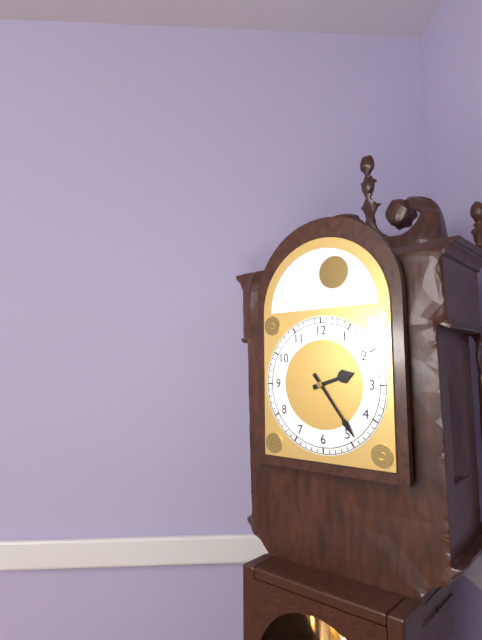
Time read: 2h24
